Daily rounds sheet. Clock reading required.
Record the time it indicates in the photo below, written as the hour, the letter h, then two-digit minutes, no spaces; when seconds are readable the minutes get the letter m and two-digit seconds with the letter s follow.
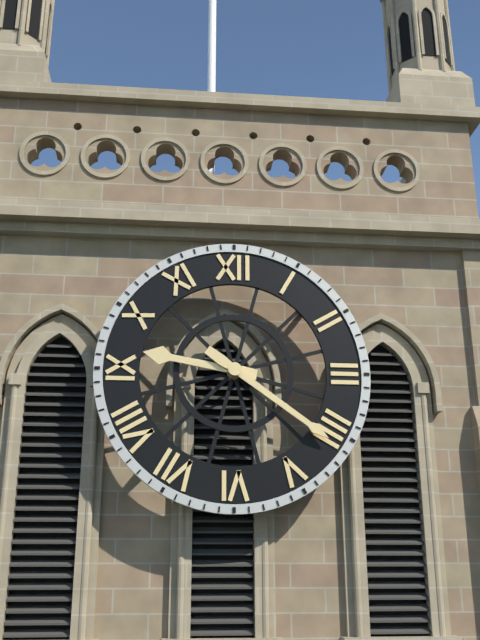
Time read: 9h21
